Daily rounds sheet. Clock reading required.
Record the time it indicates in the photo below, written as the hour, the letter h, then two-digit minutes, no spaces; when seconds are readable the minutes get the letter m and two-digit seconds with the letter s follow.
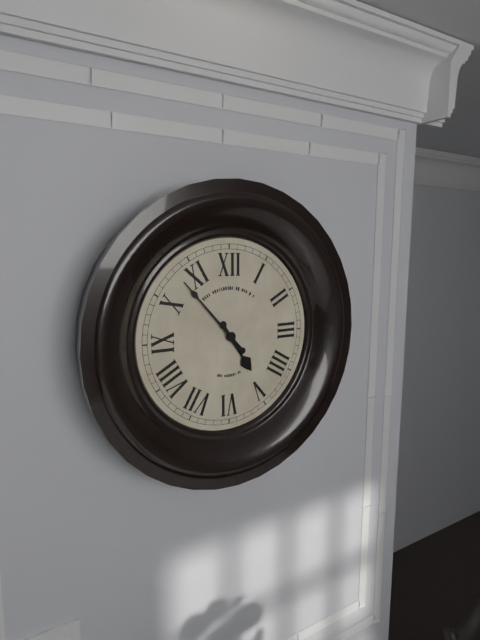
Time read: 4h53
